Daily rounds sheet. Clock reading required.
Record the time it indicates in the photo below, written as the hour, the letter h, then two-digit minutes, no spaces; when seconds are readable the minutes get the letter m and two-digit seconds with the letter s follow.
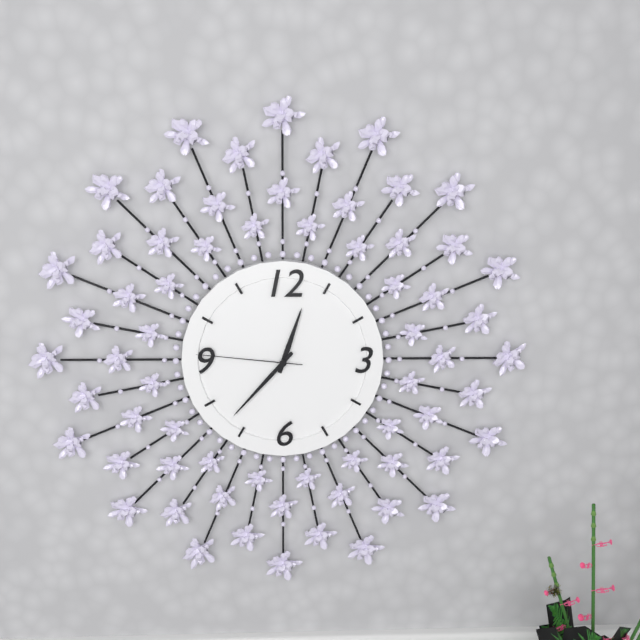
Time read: 12h37m46s
